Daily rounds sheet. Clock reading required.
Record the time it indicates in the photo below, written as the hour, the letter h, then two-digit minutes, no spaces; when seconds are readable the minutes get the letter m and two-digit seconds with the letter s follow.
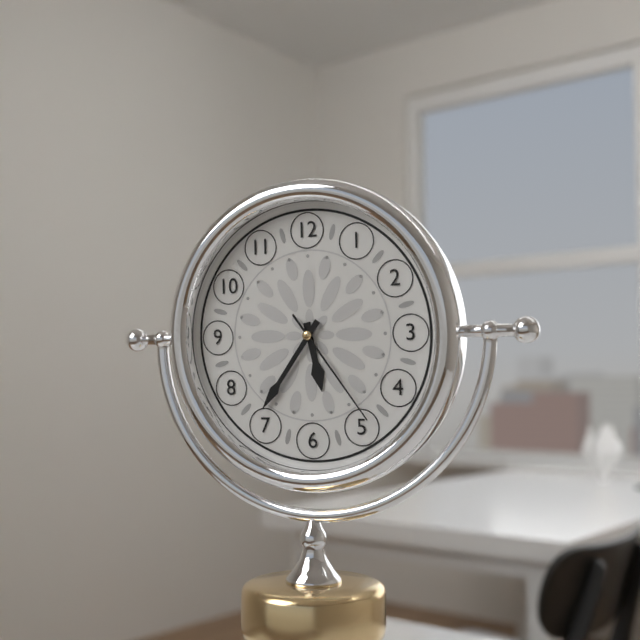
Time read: 5h36m24s
